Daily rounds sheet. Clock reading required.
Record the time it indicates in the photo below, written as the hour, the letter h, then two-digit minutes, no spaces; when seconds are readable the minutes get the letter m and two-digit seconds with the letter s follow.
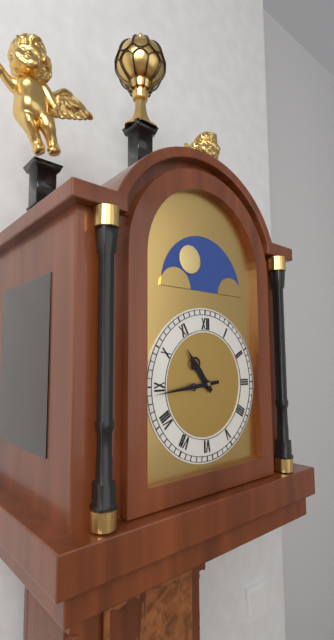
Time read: 10h44
